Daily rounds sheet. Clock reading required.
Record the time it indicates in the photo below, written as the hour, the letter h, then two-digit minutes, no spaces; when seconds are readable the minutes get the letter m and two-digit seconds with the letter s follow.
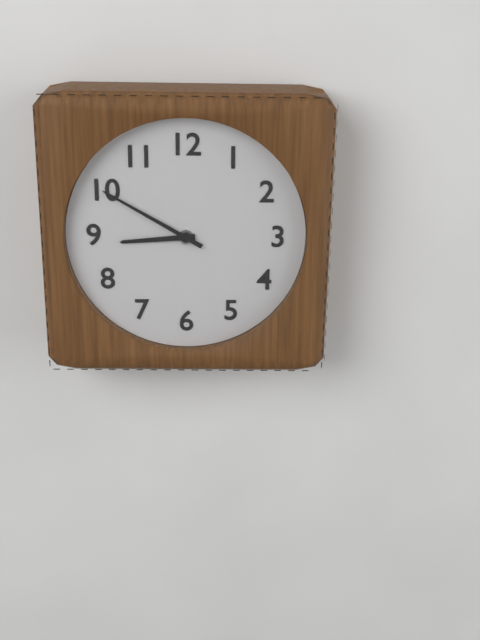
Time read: 8h50
